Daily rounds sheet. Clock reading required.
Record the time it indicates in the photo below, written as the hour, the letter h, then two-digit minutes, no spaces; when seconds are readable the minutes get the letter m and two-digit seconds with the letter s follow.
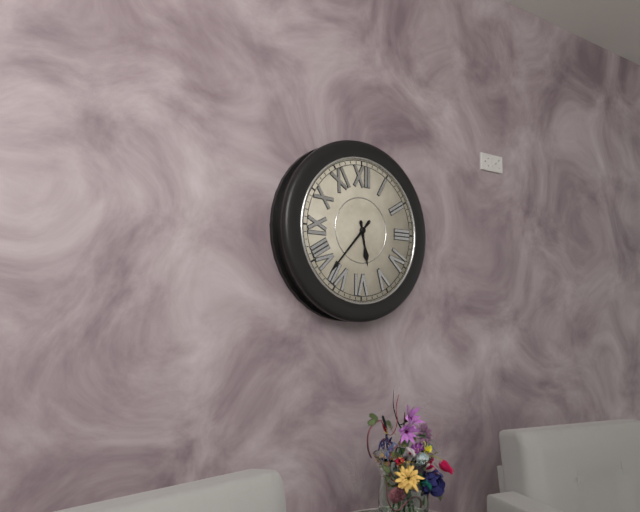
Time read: 5h37
